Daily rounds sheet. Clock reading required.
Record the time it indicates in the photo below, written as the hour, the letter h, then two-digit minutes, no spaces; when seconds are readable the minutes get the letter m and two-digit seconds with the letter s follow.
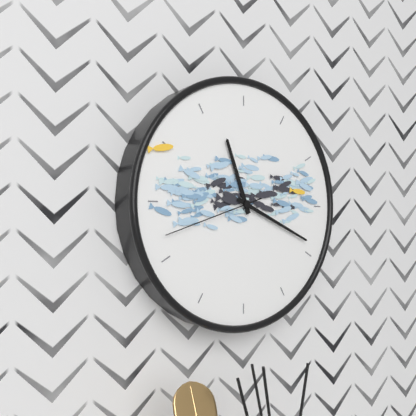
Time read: 11h19m42s
